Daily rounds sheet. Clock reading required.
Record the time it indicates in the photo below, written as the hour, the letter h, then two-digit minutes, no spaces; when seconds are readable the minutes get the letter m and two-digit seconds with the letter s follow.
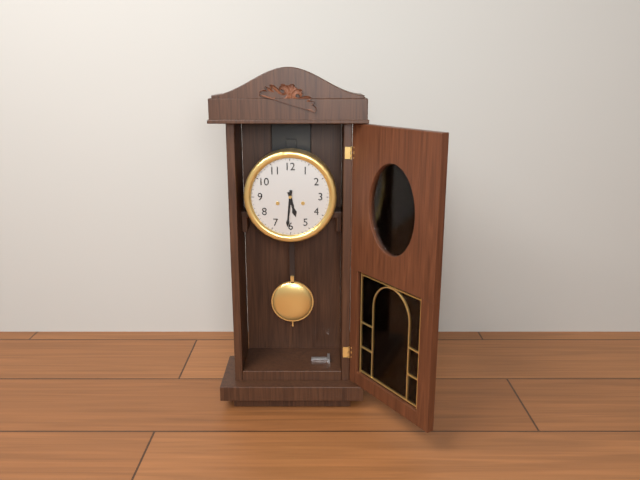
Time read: 5h31
